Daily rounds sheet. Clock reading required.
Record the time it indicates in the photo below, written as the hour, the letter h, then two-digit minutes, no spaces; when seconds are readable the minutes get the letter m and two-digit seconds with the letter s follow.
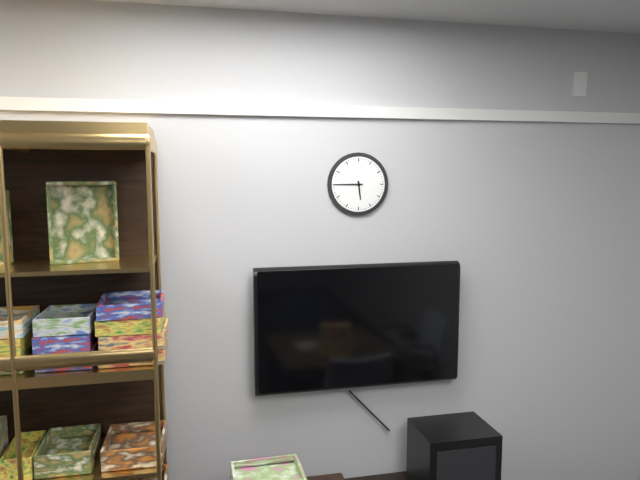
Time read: 5h45
